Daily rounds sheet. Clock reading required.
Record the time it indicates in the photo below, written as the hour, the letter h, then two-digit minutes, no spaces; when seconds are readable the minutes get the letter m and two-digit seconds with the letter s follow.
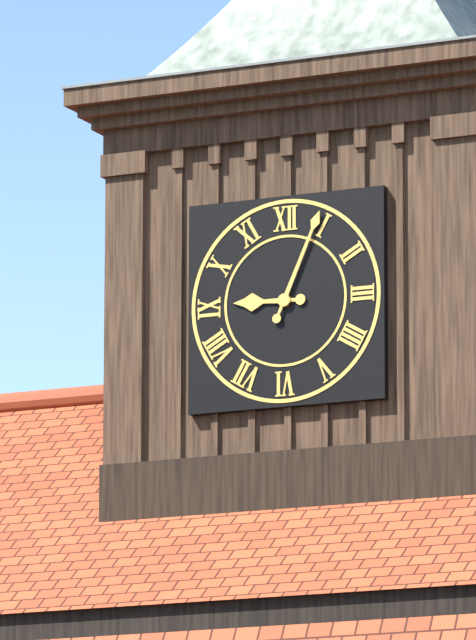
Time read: 9h04
